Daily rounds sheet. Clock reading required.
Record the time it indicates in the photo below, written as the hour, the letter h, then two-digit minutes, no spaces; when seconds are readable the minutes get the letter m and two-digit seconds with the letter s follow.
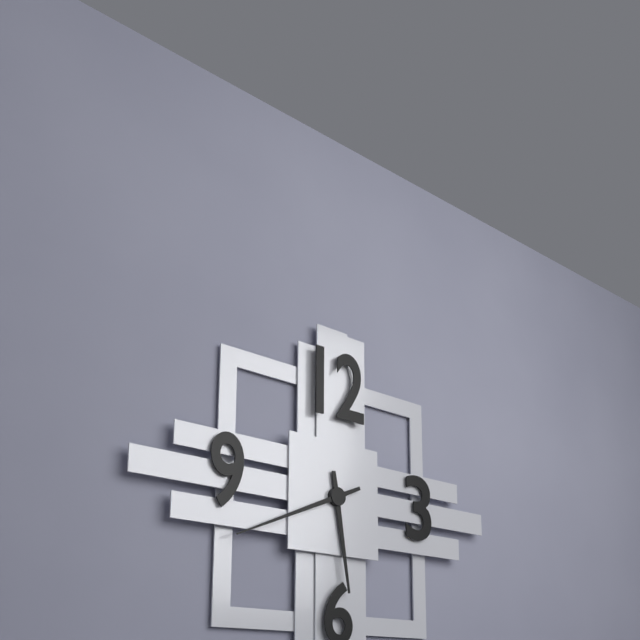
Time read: 5h41
